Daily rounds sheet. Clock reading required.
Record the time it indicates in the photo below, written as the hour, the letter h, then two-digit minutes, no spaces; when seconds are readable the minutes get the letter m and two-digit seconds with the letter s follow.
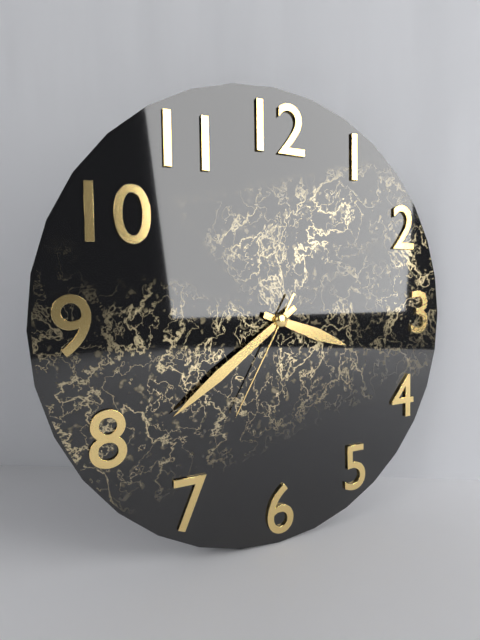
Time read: 3h39m35s
